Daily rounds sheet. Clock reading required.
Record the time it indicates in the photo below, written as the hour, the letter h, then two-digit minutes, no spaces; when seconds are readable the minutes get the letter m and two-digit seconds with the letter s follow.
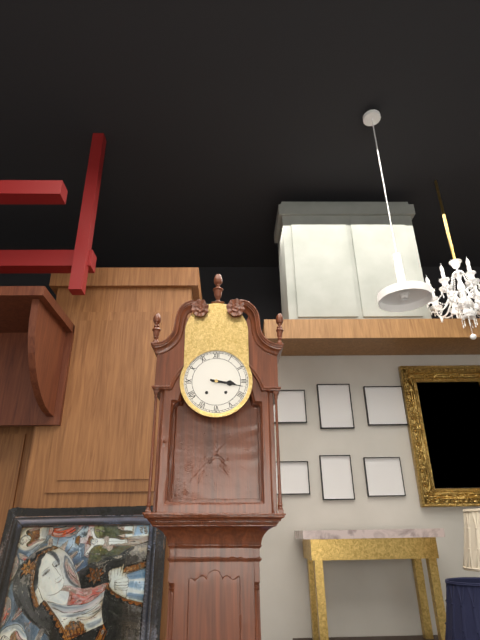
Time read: 3h17
